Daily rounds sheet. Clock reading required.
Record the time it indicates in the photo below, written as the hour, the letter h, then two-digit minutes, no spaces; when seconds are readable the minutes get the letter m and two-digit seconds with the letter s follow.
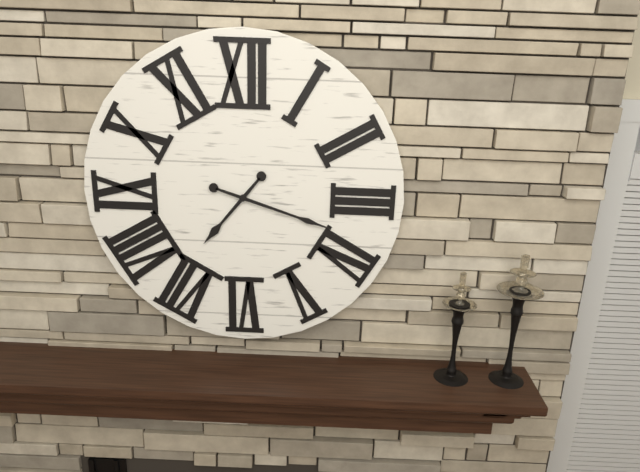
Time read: 7h18
